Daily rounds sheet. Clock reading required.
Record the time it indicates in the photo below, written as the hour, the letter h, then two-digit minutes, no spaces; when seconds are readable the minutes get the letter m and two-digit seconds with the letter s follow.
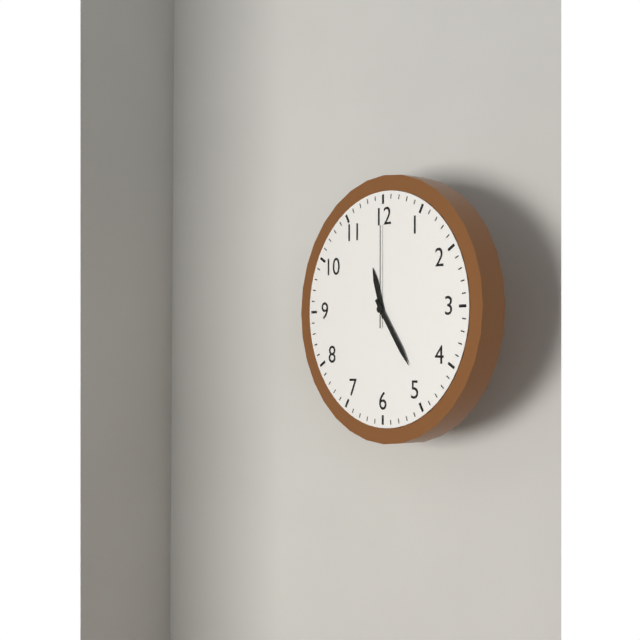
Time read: 11h24m00s
